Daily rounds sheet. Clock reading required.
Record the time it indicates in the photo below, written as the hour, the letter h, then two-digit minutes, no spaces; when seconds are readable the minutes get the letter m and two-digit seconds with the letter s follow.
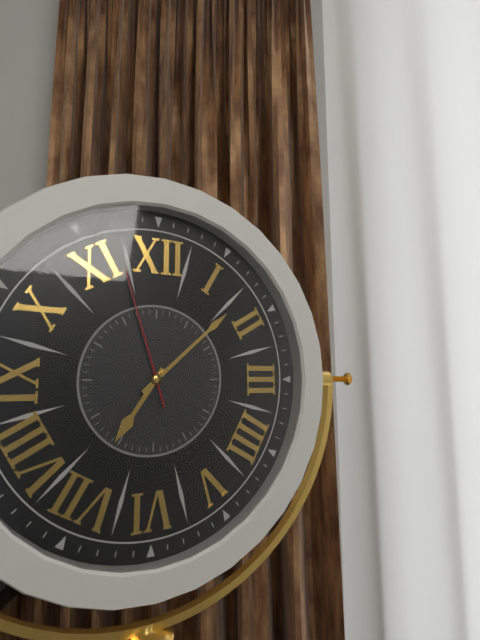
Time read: 7h08m57s
